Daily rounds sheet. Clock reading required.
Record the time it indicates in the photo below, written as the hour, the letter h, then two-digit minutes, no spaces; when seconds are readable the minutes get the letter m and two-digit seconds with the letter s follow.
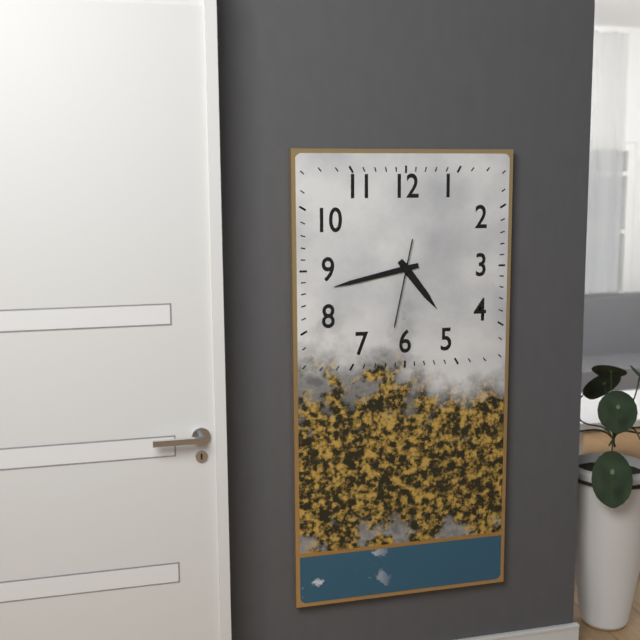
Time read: 4h43m32s
